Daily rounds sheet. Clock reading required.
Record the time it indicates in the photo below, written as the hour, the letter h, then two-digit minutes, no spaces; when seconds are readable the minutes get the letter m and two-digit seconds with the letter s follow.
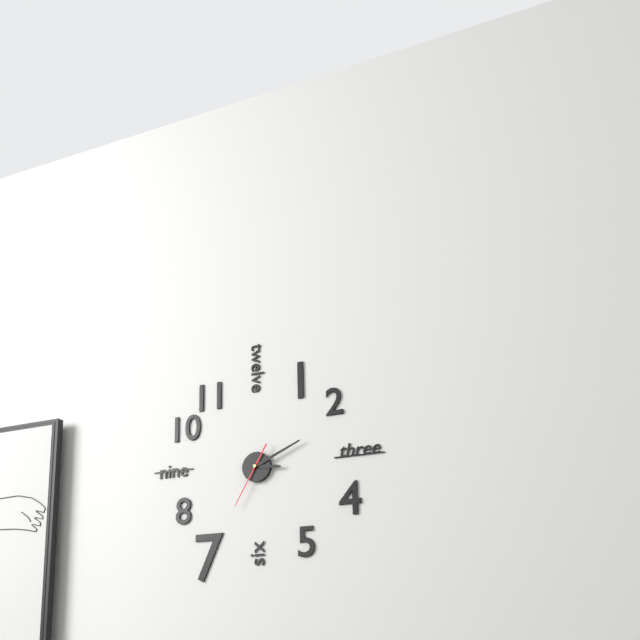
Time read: 3h11m35s
